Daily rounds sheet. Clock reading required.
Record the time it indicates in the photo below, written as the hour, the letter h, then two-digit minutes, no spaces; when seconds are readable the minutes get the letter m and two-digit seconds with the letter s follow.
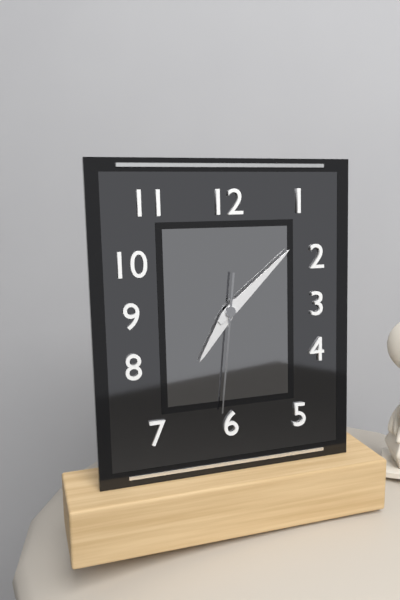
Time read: 7h08m31s
